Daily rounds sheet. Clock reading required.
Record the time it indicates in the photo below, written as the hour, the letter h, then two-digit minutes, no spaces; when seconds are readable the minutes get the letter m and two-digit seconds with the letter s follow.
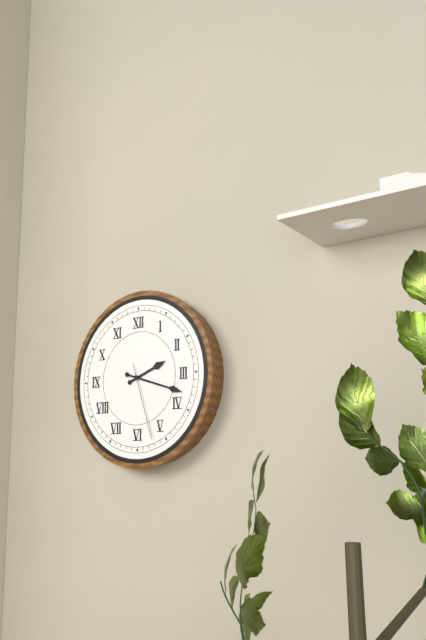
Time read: 2h18m27s
